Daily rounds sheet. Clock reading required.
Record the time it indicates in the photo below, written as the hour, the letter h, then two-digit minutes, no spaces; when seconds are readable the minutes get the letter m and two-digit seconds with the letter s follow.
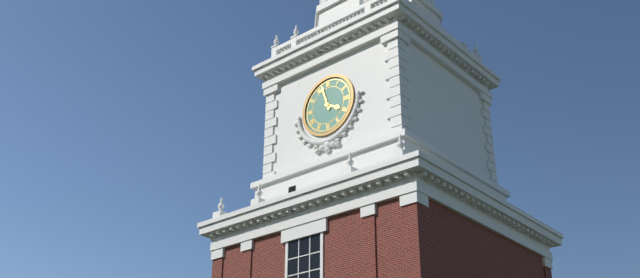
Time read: 3h57
